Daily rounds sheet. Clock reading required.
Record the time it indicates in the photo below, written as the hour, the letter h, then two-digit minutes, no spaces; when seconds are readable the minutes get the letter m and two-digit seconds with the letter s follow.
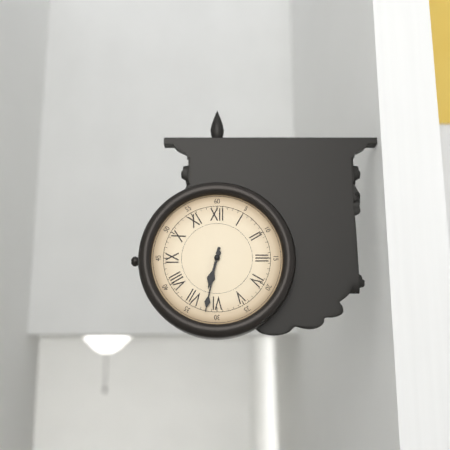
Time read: 6h32
